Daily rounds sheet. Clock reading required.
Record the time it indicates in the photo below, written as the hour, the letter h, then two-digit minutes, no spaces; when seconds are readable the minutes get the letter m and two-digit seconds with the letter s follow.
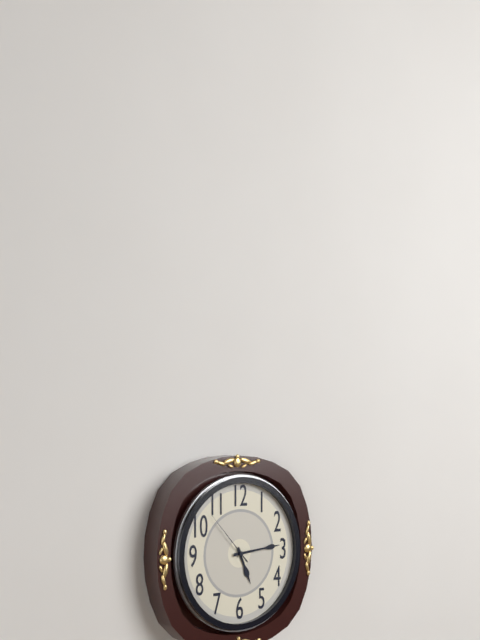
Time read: 5h14m53s
